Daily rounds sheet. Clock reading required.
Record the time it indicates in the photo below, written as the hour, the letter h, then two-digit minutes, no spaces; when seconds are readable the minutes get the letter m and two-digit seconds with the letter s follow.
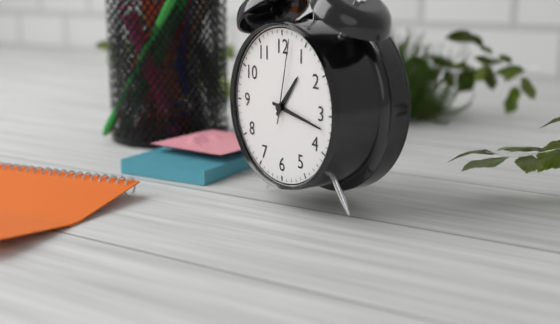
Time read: 1h17m02s
